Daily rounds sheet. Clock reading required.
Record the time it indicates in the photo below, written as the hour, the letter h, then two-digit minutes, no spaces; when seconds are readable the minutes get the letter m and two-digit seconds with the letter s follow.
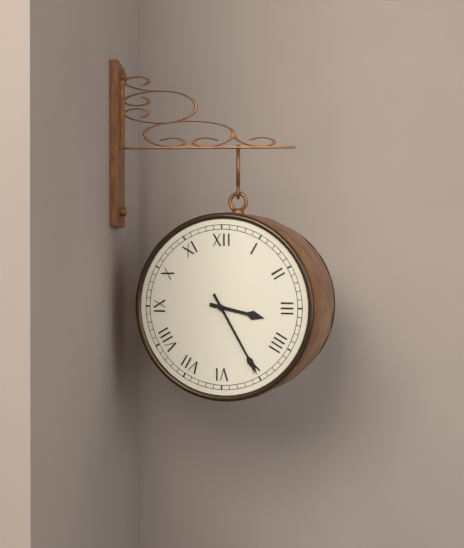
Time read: 3h25
